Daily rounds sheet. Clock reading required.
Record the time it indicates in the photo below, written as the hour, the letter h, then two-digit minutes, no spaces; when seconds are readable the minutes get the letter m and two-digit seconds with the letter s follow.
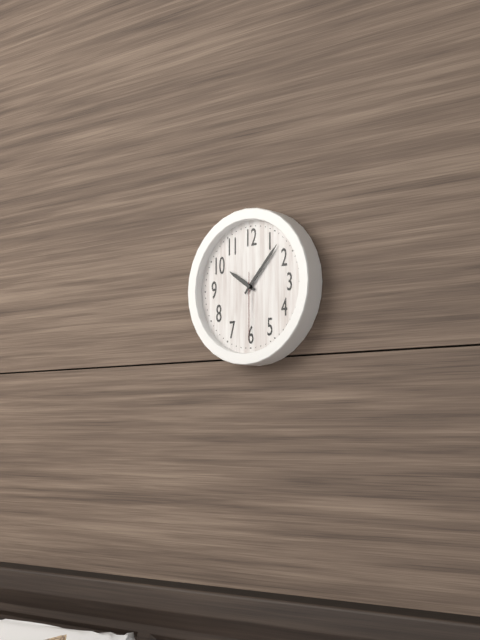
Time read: 10h07m30s
